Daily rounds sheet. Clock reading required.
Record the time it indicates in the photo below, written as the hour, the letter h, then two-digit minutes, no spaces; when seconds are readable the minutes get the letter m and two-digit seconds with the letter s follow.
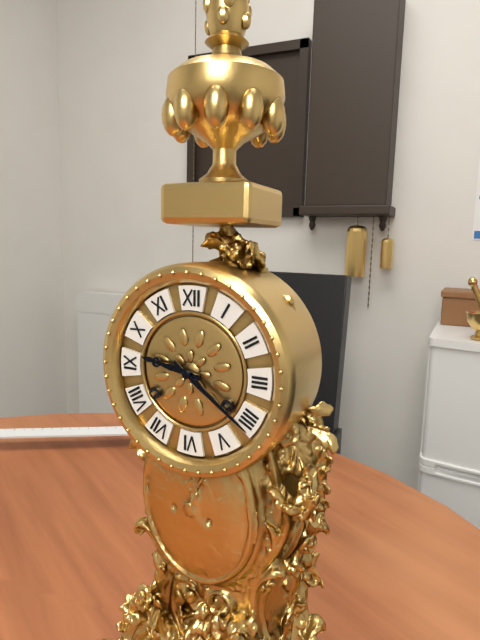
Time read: 9h21
